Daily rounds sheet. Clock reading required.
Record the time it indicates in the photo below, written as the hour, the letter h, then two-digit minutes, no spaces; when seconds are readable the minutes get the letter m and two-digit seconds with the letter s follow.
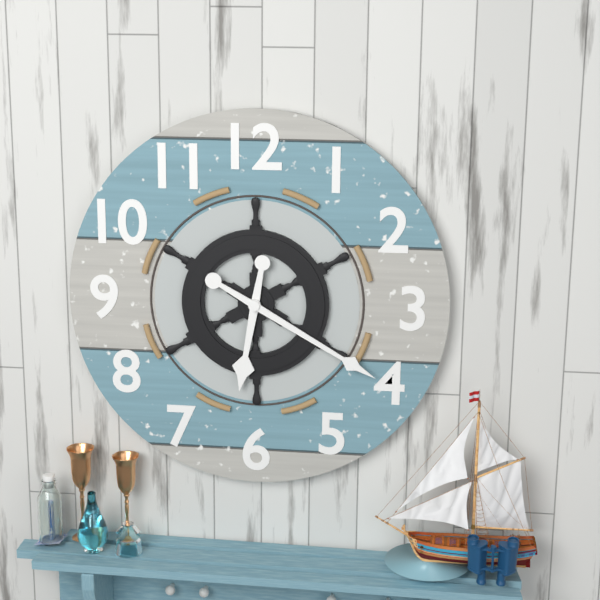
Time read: 6h20
